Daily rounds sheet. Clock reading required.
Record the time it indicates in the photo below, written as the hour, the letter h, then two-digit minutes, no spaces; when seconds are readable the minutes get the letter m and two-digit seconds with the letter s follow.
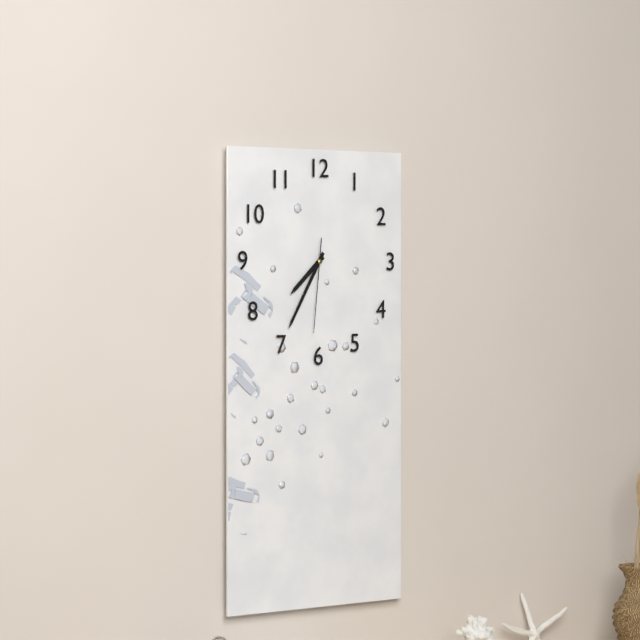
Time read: 7h35m31s
